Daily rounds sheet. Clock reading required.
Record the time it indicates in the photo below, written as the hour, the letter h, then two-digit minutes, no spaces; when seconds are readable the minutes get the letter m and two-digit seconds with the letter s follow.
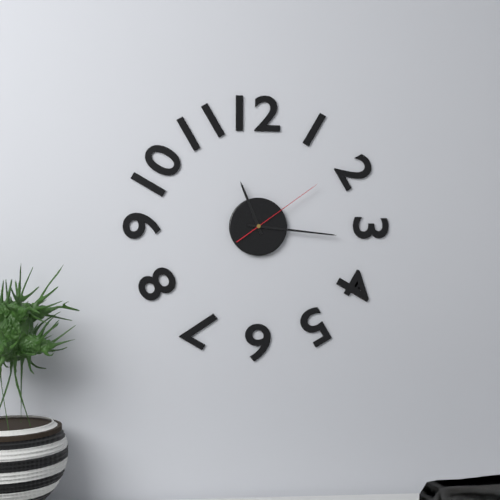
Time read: 11h16m09s
